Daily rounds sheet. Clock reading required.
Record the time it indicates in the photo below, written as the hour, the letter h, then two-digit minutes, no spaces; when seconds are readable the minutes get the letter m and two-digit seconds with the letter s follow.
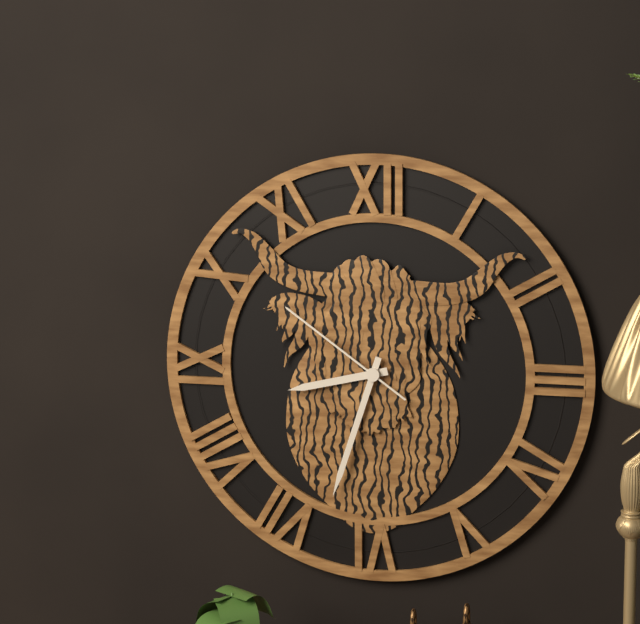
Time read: 8h33m51s
